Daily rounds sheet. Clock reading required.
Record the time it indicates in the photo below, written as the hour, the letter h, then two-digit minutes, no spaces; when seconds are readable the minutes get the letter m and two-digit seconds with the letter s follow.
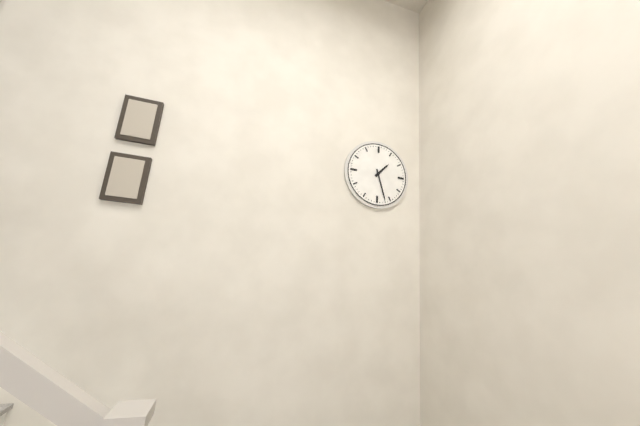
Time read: 1h27
